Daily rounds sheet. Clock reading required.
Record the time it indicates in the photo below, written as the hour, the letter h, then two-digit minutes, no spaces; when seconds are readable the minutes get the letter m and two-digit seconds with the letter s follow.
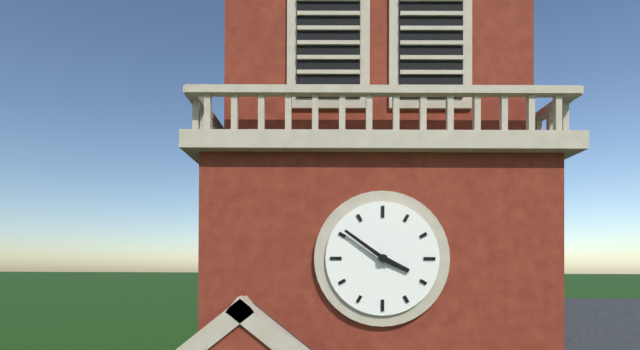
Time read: 3h51
